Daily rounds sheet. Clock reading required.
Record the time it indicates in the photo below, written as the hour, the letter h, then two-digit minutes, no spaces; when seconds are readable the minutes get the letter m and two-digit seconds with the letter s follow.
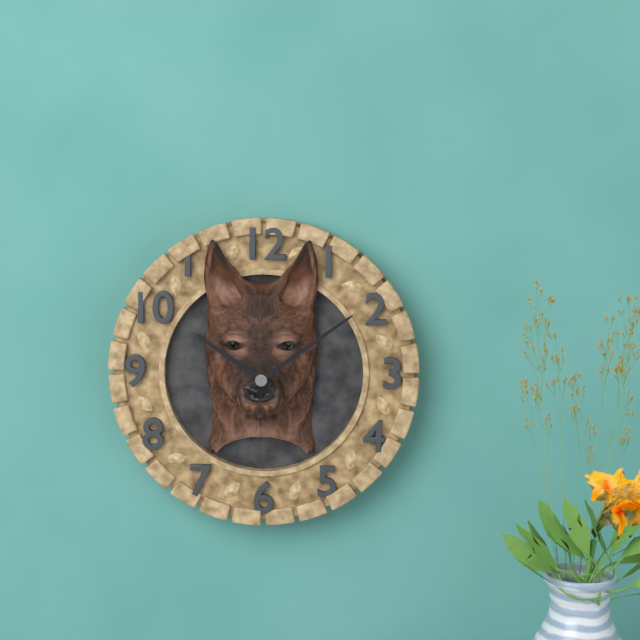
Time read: 10h09
